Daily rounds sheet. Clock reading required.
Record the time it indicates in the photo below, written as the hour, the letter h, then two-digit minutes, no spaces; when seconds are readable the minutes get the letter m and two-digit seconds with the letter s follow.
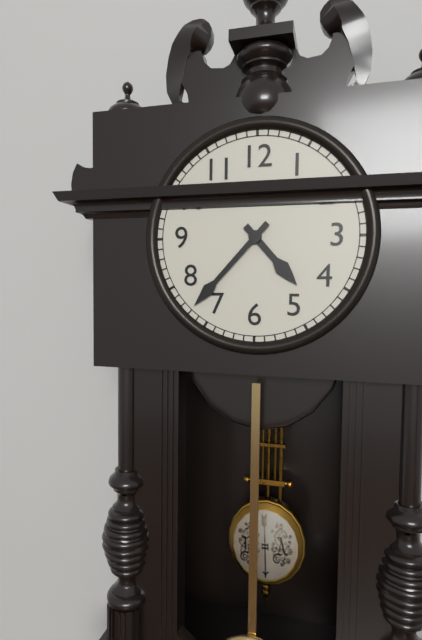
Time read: 4h37
